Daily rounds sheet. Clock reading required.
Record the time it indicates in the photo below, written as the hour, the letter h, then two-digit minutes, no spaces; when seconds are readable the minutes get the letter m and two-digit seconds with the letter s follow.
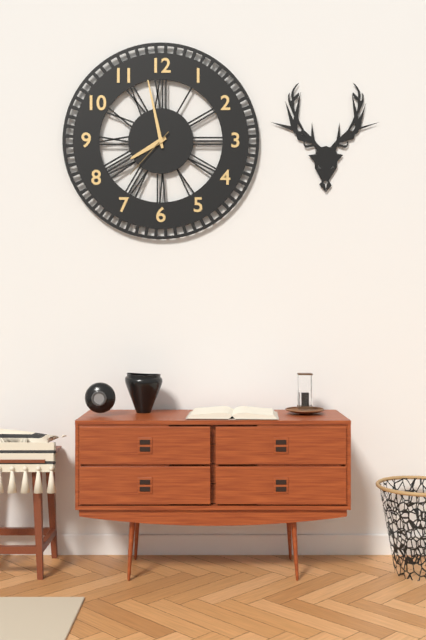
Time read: 7h58m37s
